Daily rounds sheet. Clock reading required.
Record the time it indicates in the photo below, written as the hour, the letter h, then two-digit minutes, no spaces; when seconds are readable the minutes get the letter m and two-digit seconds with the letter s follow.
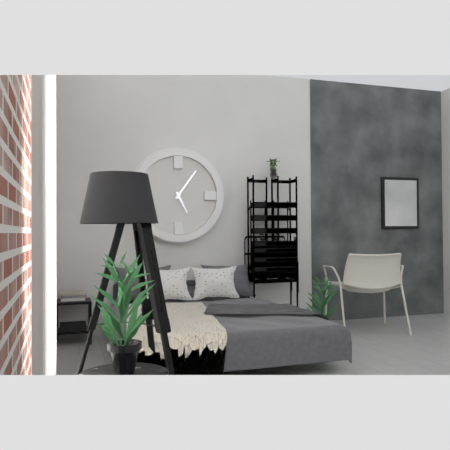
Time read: 5h06
